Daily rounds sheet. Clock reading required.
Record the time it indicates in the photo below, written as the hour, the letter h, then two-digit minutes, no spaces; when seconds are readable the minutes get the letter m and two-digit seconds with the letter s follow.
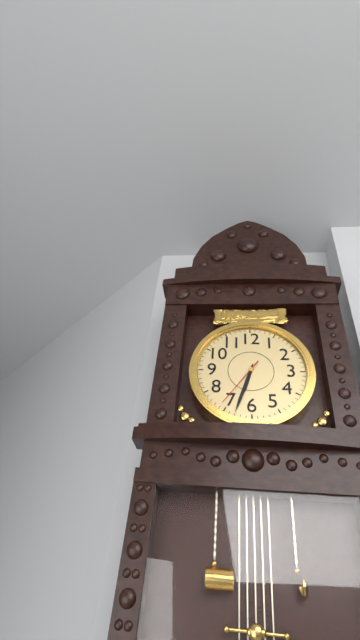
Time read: 6h33m36s
